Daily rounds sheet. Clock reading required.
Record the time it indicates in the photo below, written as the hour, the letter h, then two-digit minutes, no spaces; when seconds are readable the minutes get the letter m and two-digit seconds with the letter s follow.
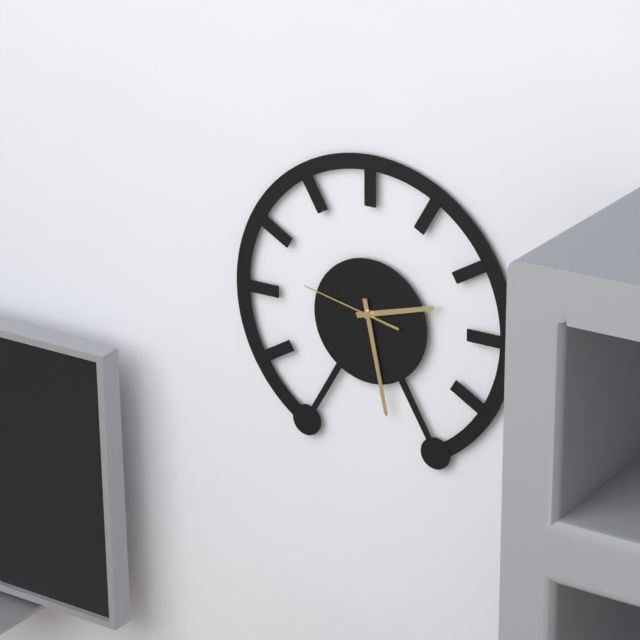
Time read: 2h28m47s
